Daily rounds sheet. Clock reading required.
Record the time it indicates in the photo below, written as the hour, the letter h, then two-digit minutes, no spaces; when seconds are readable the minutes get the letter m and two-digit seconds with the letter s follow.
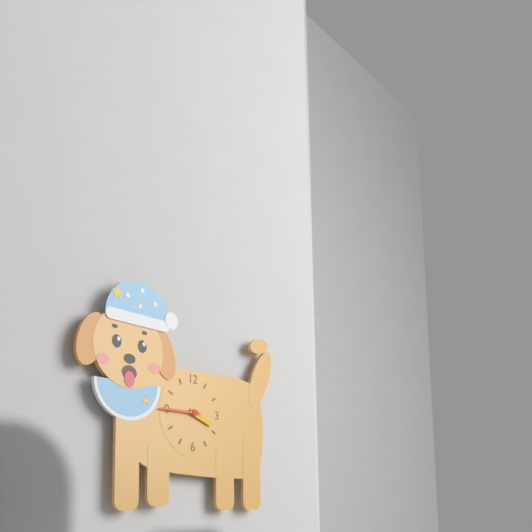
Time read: 3h45
